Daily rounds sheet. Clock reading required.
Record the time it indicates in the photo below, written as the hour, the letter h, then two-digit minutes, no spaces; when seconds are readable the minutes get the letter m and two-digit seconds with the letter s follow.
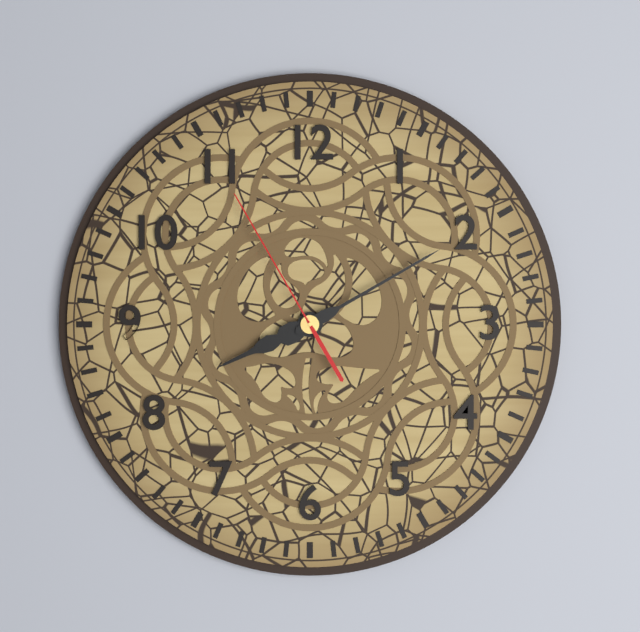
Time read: 8h10m55s
